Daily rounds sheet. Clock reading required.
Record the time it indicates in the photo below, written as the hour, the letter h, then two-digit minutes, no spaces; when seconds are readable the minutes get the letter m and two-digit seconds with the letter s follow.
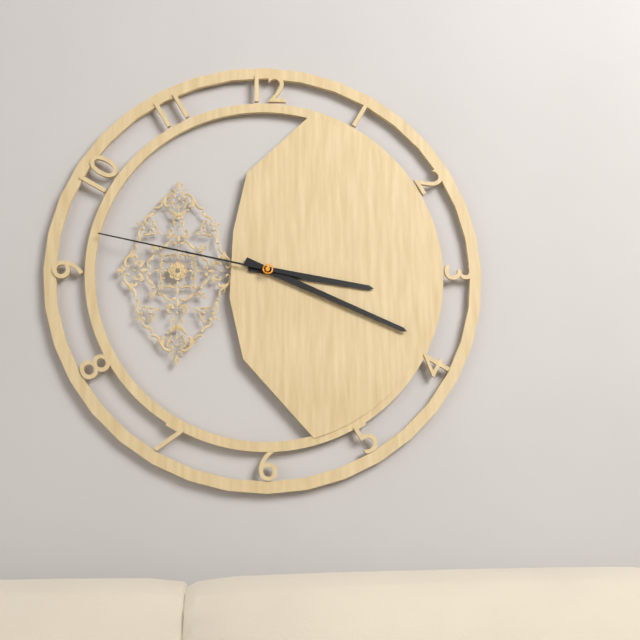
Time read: 3h19m47s
